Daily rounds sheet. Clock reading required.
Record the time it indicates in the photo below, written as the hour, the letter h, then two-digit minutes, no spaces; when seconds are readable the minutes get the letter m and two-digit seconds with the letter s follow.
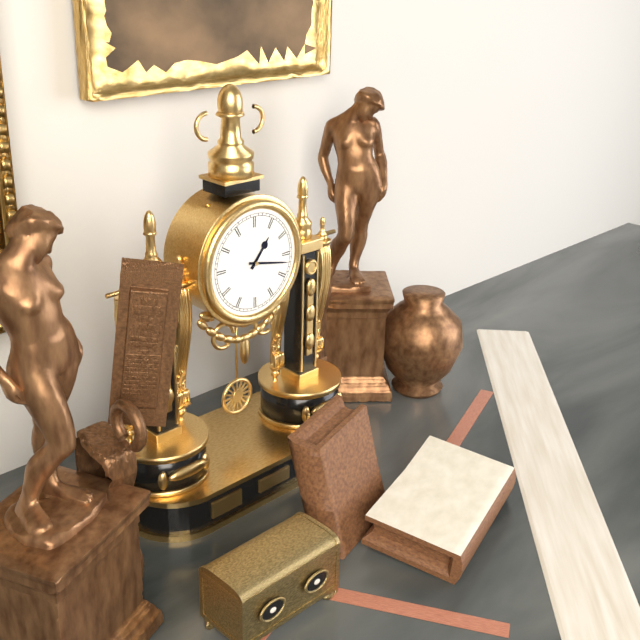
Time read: 1h17
